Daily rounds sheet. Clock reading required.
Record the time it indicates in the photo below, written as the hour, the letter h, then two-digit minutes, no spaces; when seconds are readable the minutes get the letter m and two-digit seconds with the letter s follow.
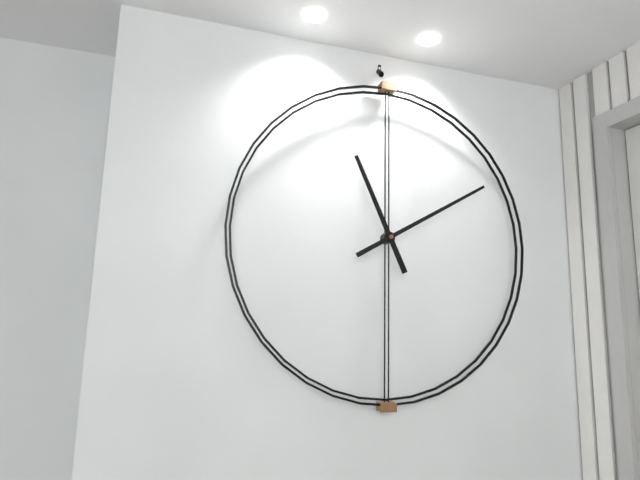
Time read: 11h10
